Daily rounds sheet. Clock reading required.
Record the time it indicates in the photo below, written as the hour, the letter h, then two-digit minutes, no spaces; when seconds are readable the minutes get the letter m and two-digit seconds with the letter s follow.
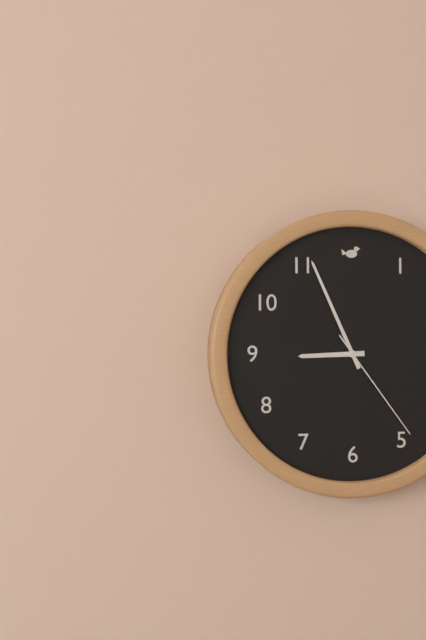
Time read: 8h56m24s
